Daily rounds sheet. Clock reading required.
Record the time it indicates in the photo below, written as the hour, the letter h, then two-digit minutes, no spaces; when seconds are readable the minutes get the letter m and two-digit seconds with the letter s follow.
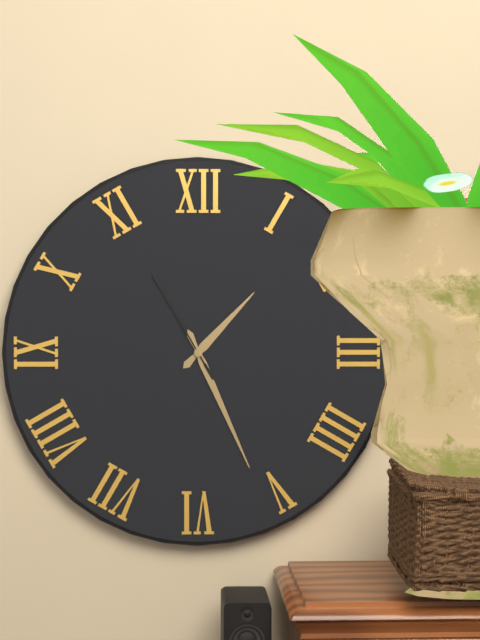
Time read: 1h26m55s
